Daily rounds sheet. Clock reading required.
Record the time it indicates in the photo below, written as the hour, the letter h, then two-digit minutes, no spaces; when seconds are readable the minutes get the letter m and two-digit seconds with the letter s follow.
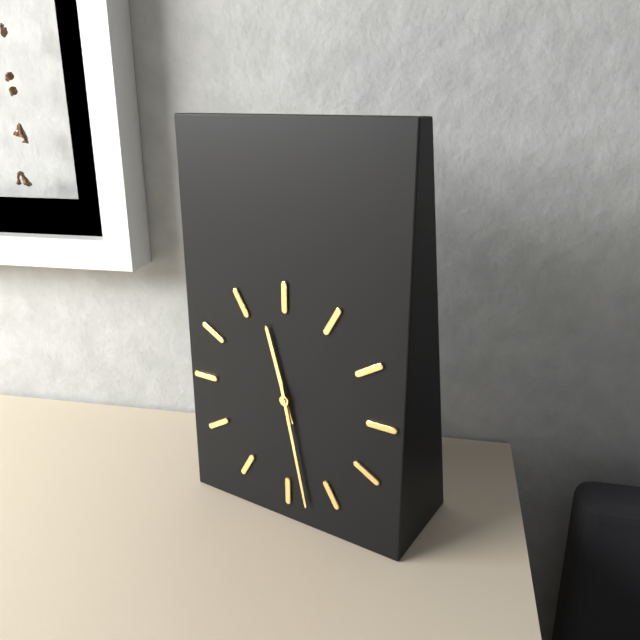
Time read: 11h28
